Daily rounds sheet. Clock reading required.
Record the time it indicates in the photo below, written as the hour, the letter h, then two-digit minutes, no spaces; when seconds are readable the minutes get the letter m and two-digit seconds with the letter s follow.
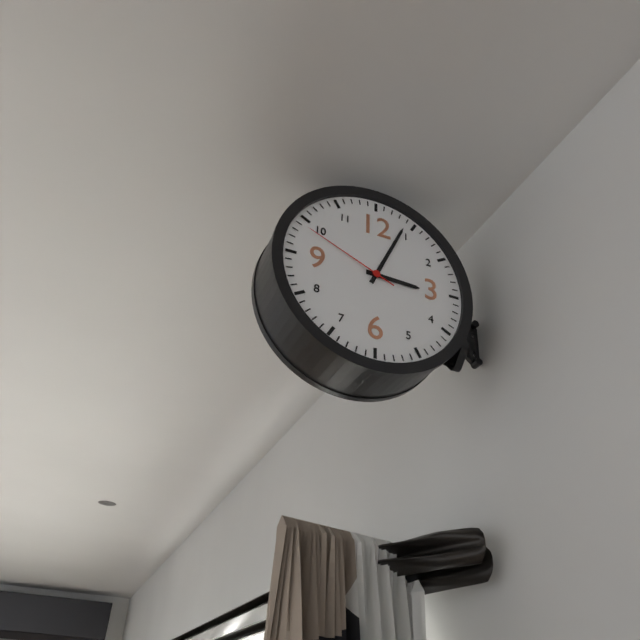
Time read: 3h04m49s
